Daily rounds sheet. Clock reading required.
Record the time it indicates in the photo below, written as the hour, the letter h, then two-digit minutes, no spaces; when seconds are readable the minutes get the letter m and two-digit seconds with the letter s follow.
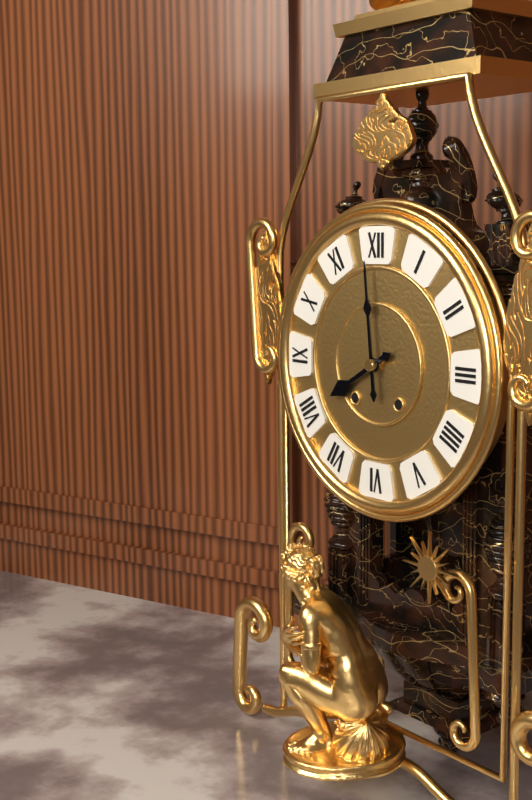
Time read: 7h59
